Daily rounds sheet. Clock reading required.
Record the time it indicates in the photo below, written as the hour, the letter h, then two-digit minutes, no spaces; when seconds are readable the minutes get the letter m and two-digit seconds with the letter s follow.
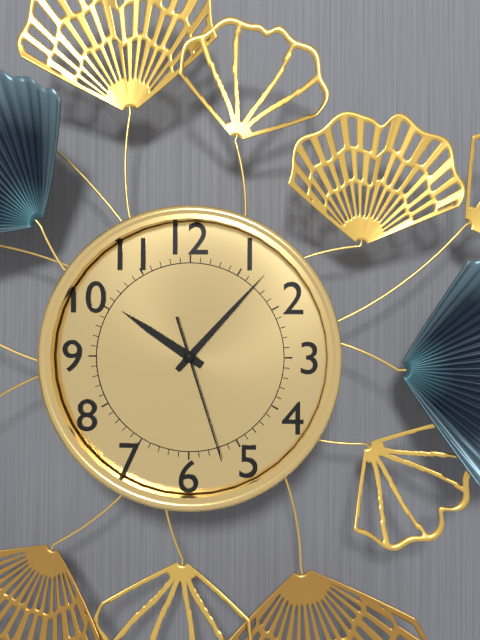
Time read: 10h07m27s
